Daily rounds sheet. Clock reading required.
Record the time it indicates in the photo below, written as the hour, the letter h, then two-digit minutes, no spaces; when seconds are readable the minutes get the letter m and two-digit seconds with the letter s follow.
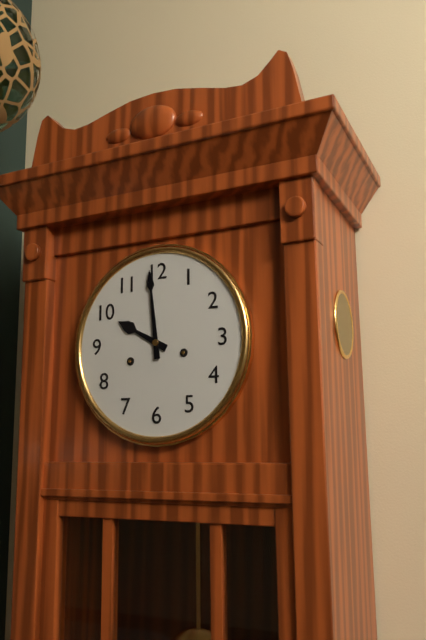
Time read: 9h59
